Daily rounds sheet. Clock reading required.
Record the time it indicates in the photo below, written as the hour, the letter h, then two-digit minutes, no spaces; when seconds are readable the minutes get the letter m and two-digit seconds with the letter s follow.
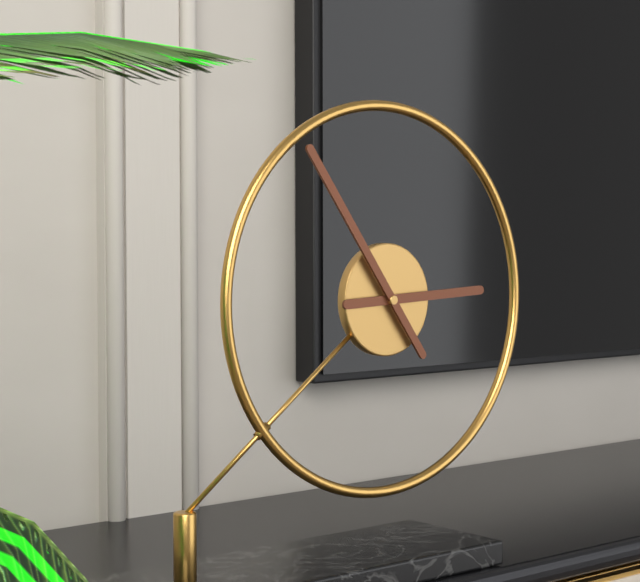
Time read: 2h54
